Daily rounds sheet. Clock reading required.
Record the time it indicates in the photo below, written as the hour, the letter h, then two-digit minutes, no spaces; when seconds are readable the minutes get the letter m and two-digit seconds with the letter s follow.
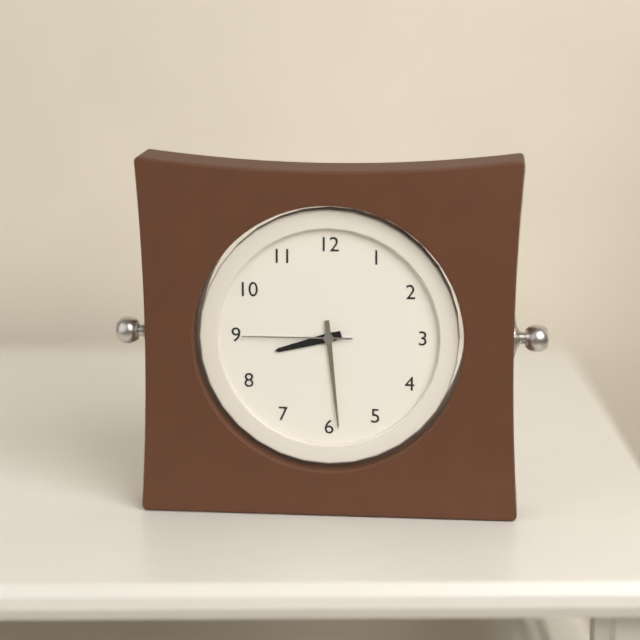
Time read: 8h29m45s
